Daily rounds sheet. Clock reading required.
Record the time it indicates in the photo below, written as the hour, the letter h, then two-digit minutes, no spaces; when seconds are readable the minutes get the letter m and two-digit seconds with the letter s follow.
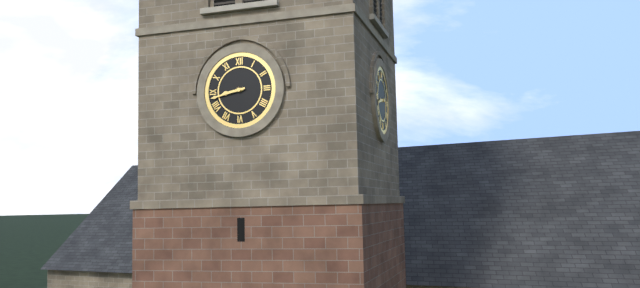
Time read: 8h43
